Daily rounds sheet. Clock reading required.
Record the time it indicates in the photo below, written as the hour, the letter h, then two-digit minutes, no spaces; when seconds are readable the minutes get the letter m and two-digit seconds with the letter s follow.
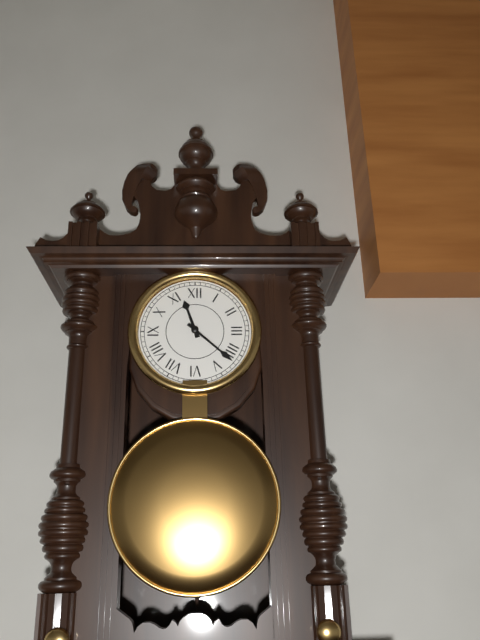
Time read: 11h22
